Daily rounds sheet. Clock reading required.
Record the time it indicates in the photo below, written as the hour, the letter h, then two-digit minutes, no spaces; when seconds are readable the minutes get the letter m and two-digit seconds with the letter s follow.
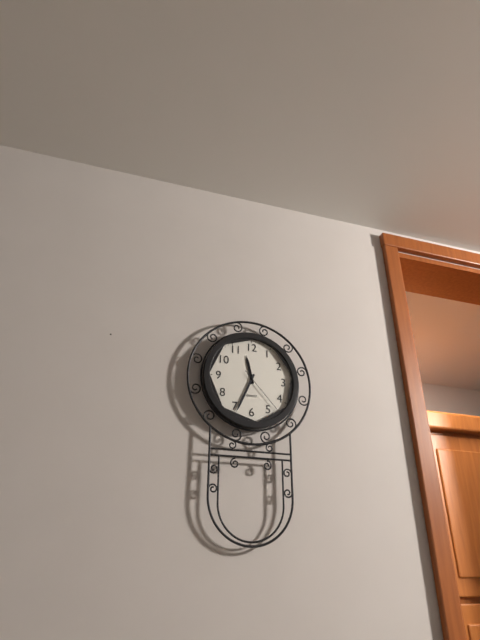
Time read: 11h34m23s
